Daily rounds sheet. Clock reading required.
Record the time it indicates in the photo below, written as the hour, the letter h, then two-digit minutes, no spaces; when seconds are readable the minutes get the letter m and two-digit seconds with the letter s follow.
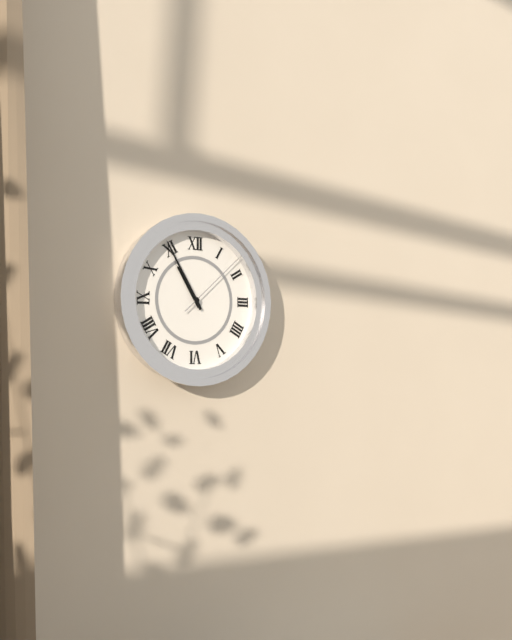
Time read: 10h55m08s
